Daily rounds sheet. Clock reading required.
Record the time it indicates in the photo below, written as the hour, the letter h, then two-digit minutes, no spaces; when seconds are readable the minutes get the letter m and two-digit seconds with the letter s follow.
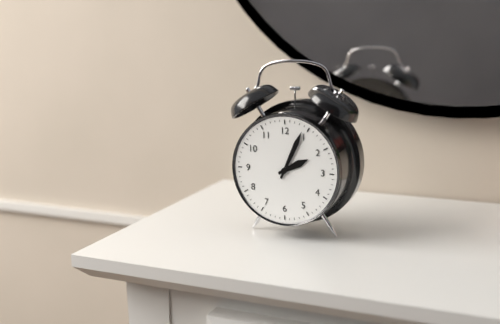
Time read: 2h04
